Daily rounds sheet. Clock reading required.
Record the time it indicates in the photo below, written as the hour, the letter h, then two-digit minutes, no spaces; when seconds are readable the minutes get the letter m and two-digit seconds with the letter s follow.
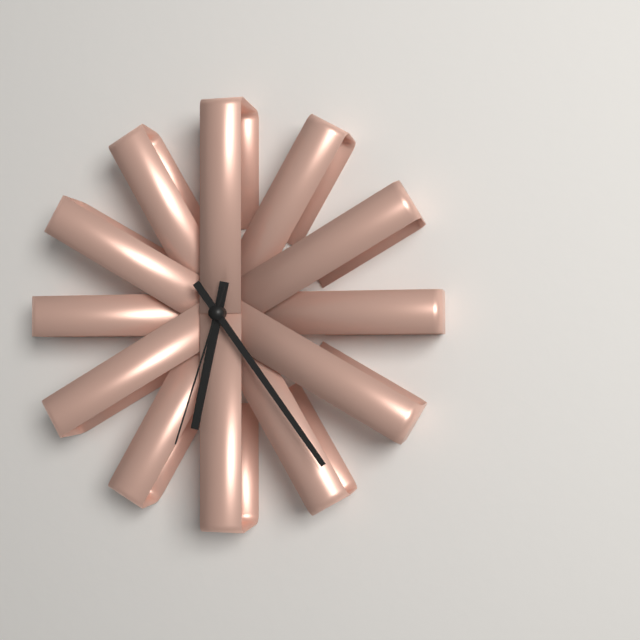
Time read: 6h24m33s
